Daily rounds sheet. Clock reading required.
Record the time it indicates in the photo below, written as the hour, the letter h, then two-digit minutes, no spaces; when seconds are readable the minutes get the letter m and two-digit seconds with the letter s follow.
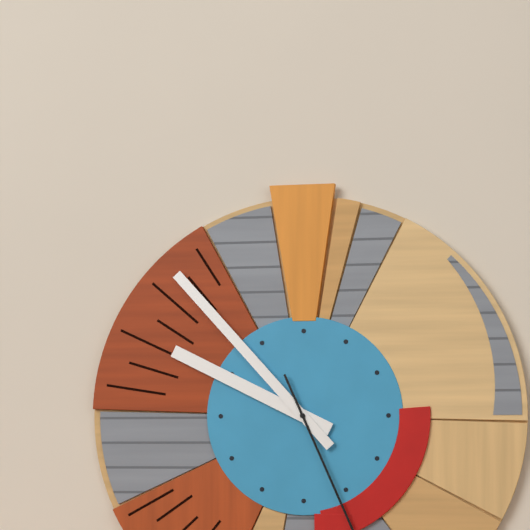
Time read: 9h53
